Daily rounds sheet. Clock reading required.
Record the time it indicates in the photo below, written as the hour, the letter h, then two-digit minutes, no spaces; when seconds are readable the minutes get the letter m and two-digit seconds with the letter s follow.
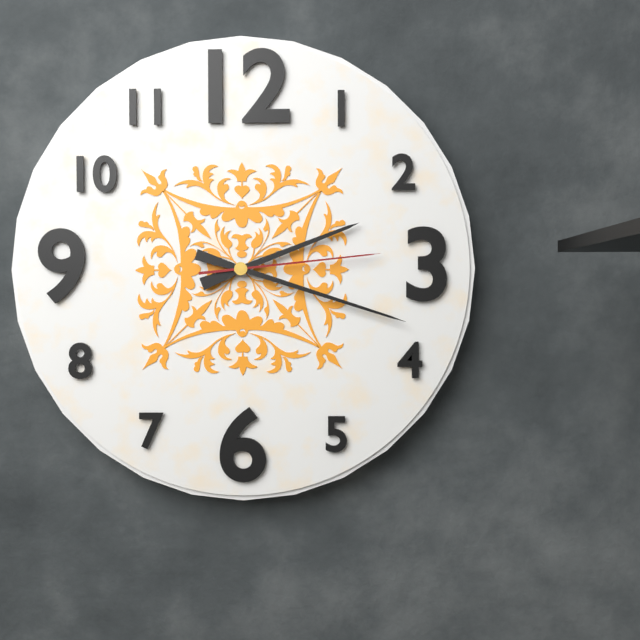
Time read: 2h18m14s
